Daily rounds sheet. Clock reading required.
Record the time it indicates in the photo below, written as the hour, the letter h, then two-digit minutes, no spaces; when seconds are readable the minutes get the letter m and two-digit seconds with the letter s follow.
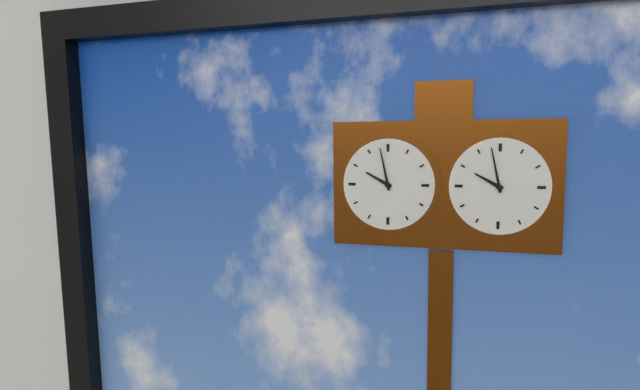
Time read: 9h58
